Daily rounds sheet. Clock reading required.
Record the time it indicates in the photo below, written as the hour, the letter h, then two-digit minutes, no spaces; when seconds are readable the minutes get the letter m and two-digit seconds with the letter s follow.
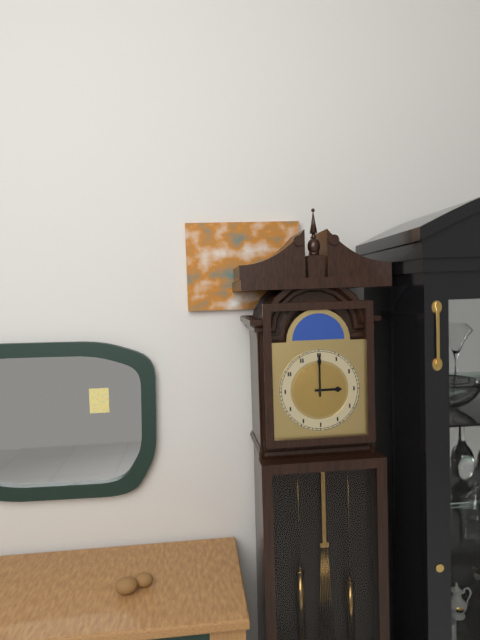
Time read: 3h00
